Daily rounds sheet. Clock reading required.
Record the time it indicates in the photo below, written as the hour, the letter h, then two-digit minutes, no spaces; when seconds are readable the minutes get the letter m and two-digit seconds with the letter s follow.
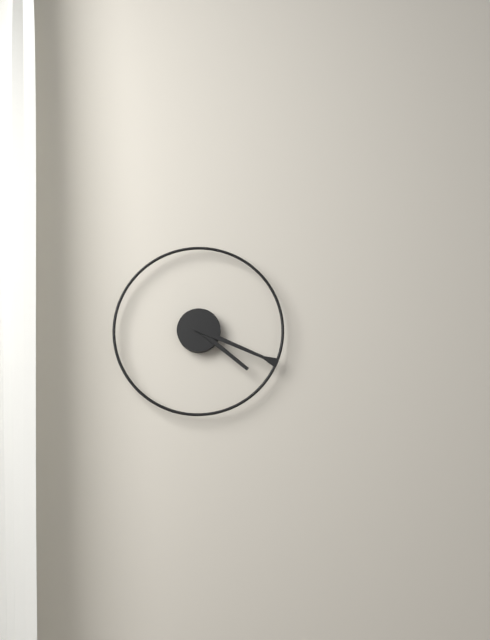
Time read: 4h19
